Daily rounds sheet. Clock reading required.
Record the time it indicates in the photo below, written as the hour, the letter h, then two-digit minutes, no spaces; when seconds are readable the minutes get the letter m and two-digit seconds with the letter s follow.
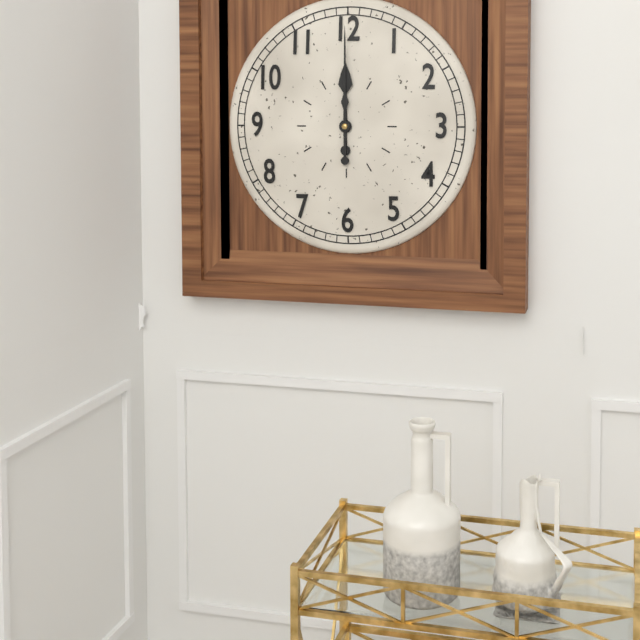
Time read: 12h00
